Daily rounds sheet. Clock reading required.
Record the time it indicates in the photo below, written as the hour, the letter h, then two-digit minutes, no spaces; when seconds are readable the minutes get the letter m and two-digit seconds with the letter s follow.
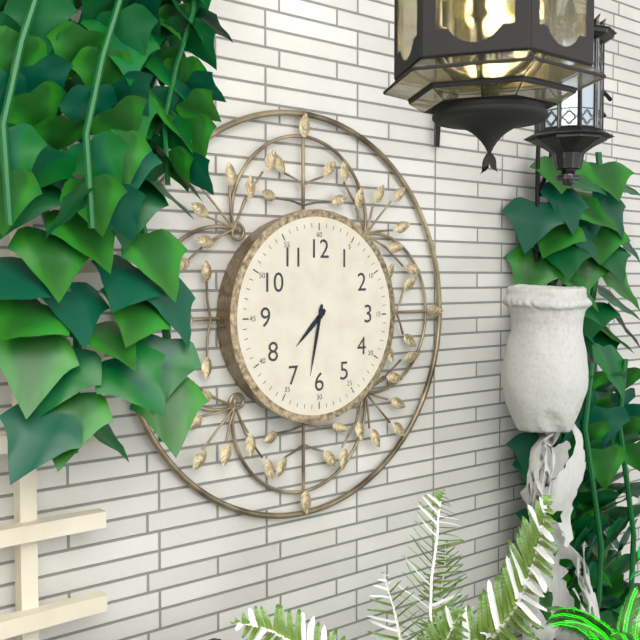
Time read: 7h32
